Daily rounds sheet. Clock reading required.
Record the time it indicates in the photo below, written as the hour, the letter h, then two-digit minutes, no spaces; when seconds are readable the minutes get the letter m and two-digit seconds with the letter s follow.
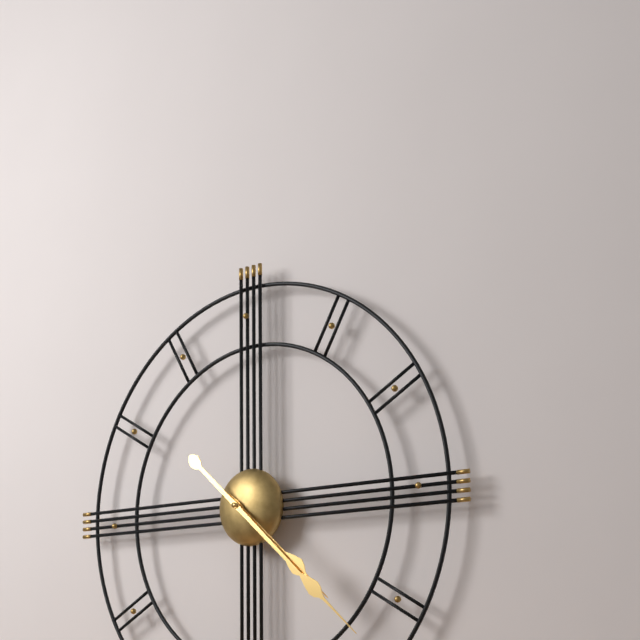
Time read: 4h22
